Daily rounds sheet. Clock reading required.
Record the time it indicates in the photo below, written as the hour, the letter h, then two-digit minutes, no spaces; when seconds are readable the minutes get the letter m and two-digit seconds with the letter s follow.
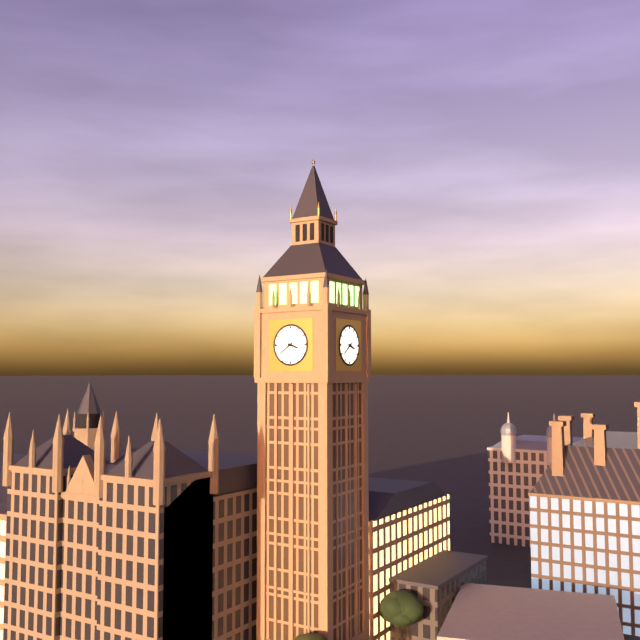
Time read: 3h39
